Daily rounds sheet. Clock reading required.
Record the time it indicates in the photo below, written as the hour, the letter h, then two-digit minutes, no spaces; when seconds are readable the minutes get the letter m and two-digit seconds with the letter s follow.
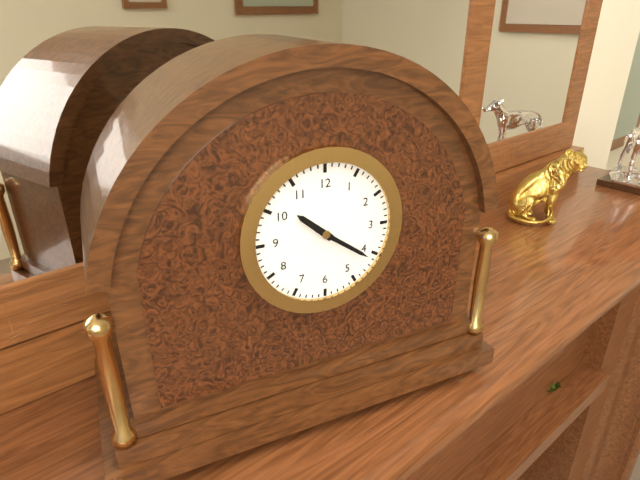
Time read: 10h21
